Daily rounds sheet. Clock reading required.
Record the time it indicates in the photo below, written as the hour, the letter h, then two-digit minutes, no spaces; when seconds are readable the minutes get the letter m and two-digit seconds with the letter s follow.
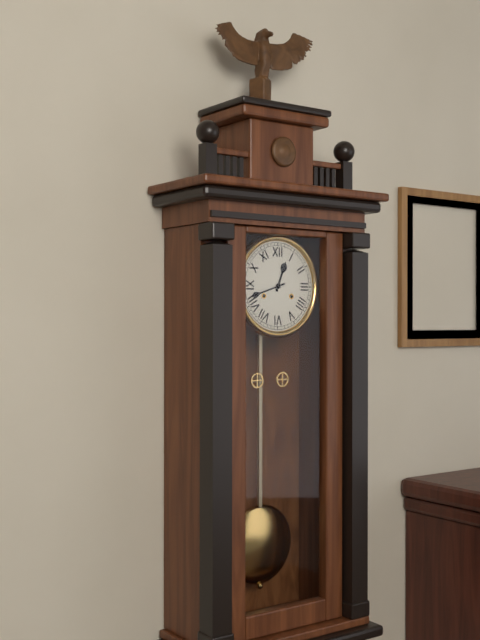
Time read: 12h42
